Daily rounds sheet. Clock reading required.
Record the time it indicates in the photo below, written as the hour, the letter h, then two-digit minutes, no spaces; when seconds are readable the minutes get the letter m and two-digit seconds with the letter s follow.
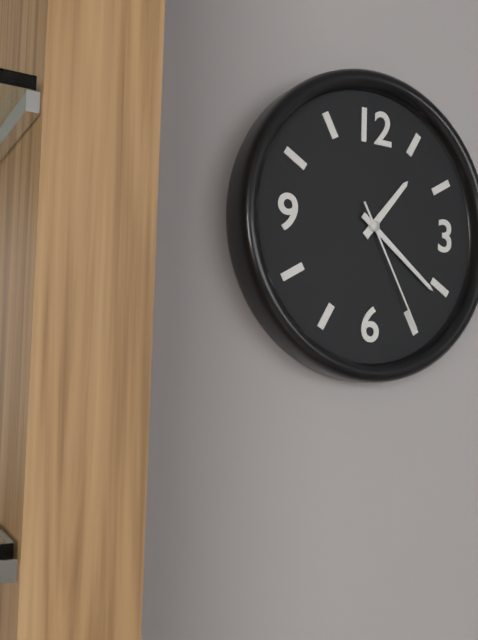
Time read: 1h21m25s
